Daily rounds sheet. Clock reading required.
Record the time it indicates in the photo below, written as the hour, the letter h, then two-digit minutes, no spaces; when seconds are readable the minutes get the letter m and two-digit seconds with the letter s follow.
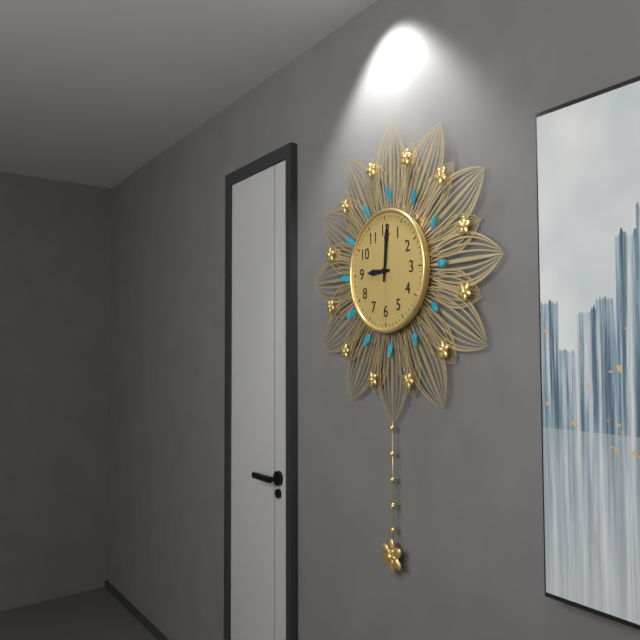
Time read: 9h01
